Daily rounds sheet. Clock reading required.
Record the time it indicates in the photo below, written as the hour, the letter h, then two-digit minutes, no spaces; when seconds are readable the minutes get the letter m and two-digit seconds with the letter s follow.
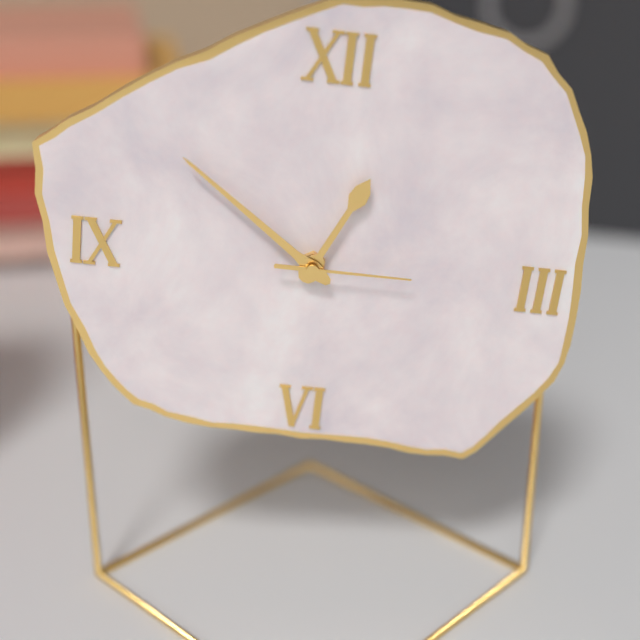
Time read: 12h51m15s
